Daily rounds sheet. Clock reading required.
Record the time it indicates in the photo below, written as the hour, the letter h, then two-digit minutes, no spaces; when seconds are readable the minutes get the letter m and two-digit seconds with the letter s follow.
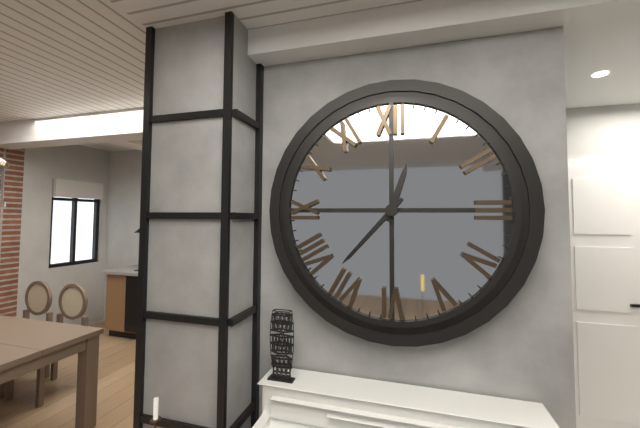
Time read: 12h37
